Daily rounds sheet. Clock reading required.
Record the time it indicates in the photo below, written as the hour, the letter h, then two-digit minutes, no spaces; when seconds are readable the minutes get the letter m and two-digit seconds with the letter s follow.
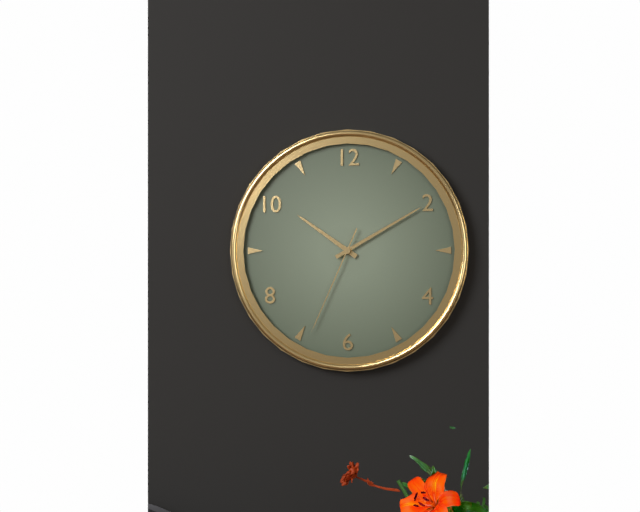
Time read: 10h10m34s
